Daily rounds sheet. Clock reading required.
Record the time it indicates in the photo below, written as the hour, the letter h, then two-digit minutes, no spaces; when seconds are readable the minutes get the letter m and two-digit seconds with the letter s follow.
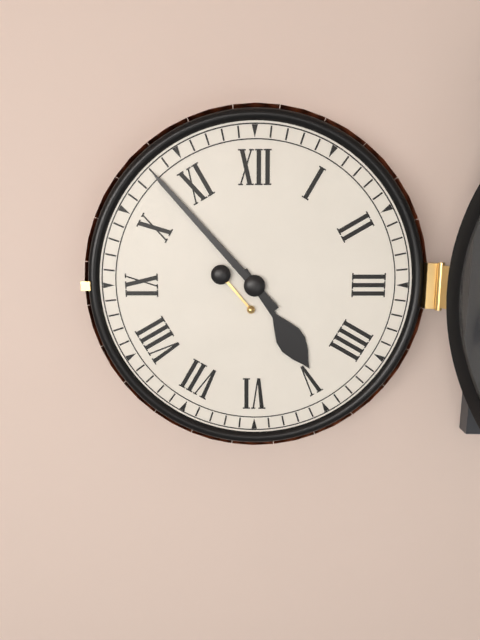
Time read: 4h53
